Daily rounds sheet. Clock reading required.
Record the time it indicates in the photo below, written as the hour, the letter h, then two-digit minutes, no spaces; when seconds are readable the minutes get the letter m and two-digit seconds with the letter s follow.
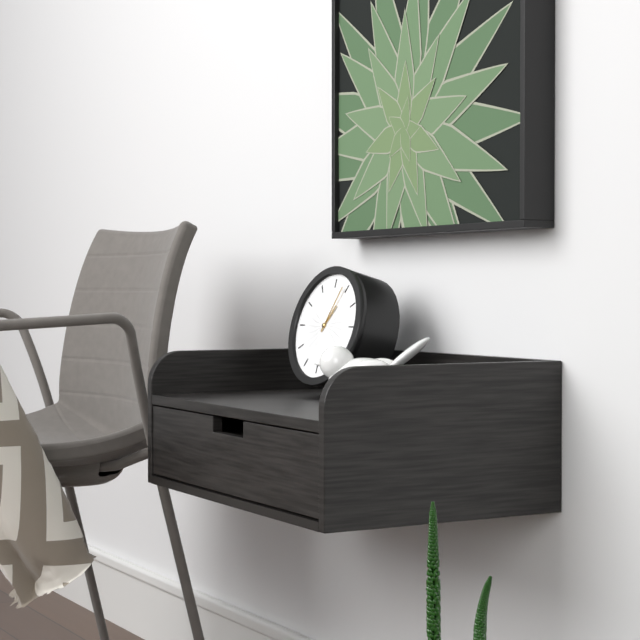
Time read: 1h04
